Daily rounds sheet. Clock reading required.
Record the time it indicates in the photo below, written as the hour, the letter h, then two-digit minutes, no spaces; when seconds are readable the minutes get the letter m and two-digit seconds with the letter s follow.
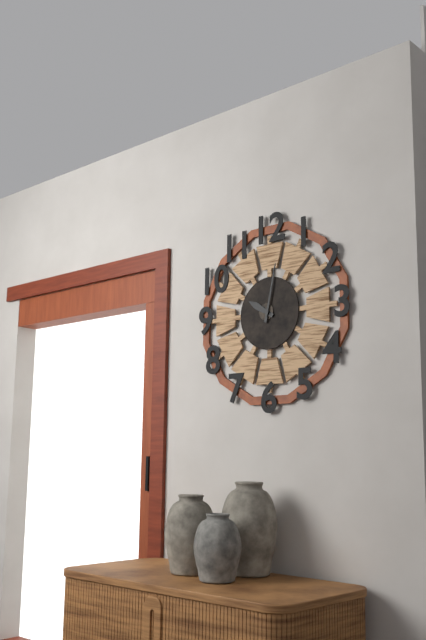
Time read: 10h02
